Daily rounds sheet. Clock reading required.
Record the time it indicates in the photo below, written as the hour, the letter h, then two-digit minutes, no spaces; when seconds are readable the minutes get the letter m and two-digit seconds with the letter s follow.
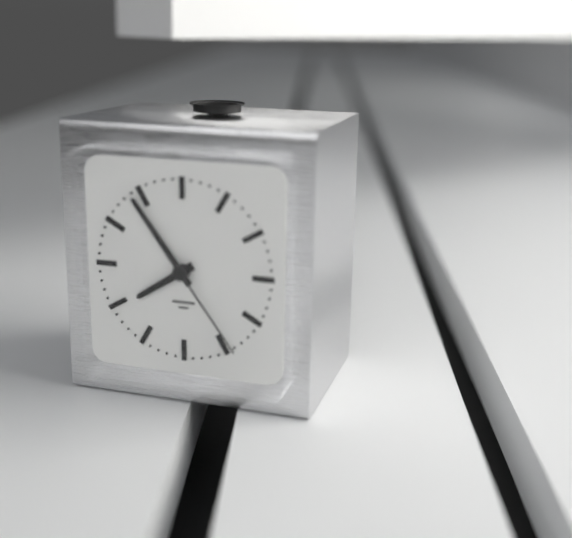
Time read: 7h54m24s
